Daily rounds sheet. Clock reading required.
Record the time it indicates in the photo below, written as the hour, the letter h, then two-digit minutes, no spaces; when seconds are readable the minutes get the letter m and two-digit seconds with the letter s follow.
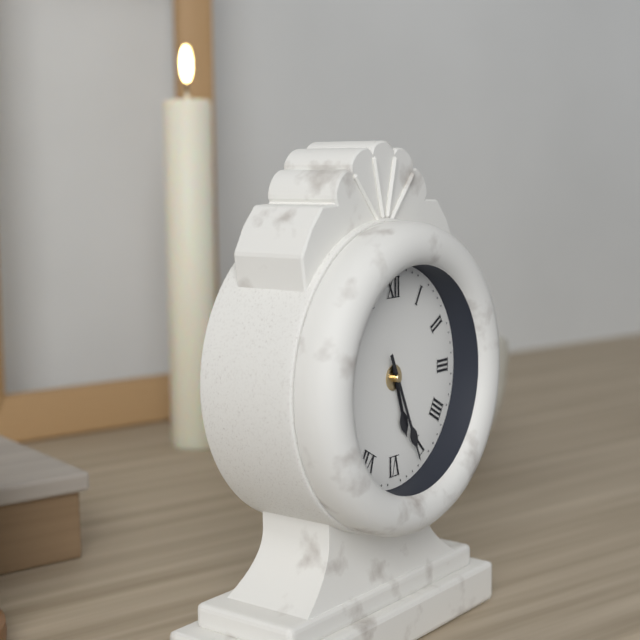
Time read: 5h26
